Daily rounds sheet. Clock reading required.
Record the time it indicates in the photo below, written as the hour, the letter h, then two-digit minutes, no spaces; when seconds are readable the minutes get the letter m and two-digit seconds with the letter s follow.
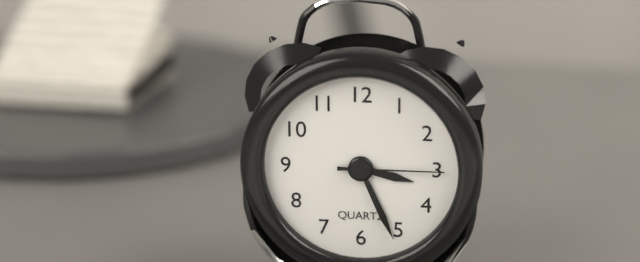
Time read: 3h26m15s
